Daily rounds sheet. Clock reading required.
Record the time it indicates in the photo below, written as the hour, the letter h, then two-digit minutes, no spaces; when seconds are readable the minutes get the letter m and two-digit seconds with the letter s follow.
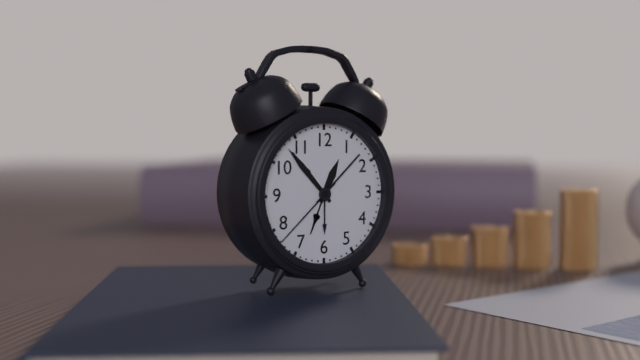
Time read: 12h53m38s
